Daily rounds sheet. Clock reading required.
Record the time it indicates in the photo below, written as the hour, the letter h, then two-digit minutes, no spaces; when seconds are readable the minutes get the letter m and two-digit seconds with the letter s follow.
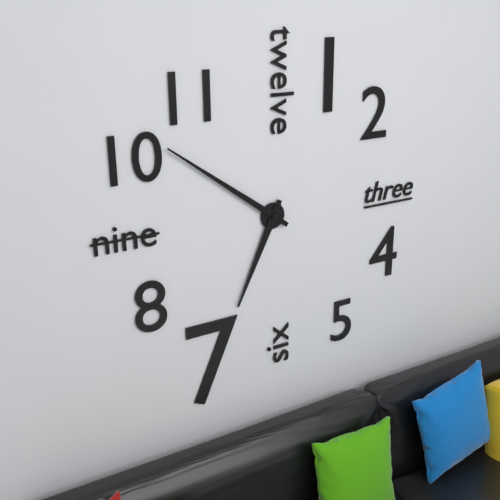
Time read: 6h51
